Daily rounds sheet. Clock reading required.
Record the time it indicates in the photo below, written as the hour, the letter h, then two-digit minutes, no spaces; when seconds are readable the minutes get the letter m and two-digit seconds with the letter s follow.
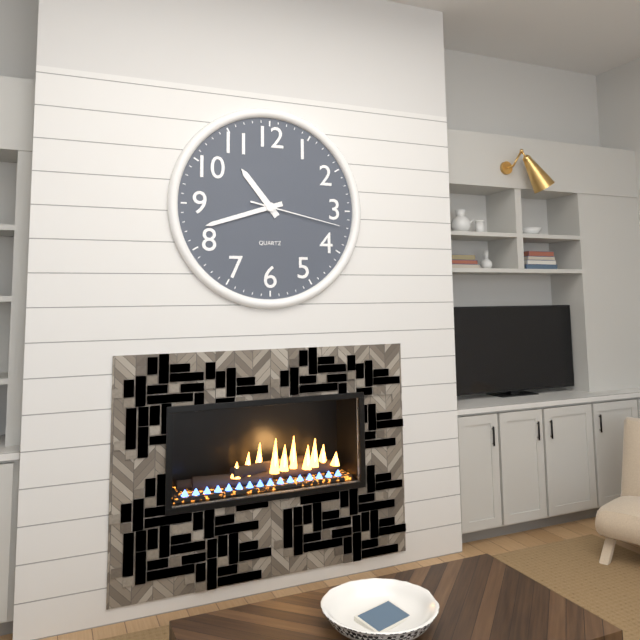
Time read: 10h42m17s
